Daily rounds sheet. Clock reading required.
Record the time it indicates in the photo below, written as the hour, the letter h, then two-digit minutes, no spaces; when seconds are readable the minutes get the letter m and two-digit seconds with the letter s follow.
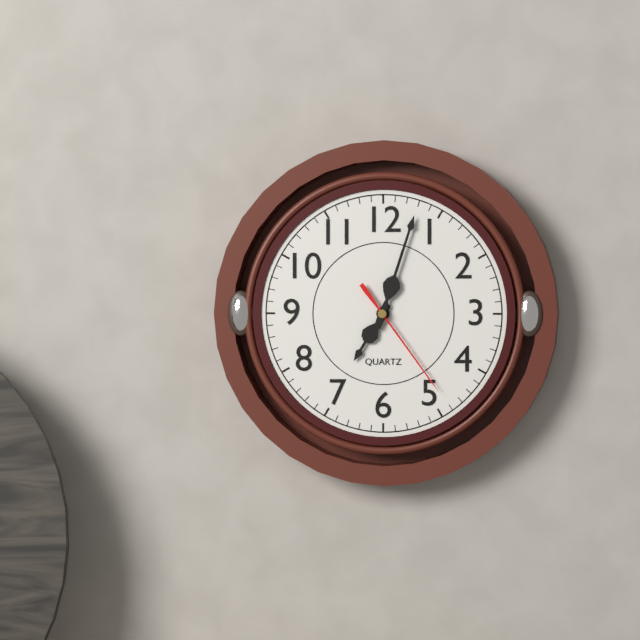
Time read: 7h03m24s
